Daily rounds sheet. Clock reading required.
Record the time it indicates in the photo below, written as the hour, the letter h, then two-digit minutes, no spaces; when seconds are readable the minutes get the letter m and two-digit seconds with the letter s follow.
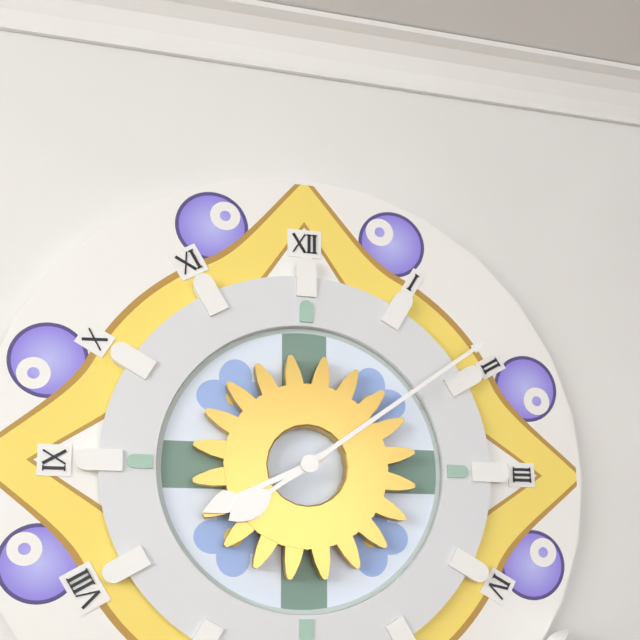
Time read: 8h09
